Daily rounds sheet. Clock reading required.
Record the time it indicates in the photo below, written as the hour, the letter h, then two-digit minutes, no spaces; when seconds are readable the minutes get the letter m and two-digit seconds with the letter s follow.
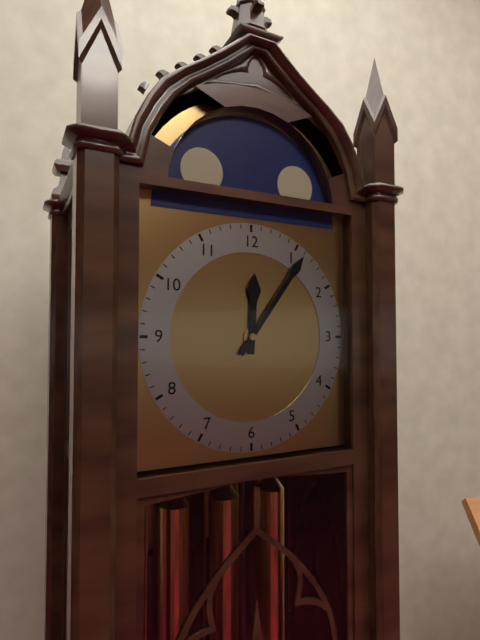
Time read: 12h06
